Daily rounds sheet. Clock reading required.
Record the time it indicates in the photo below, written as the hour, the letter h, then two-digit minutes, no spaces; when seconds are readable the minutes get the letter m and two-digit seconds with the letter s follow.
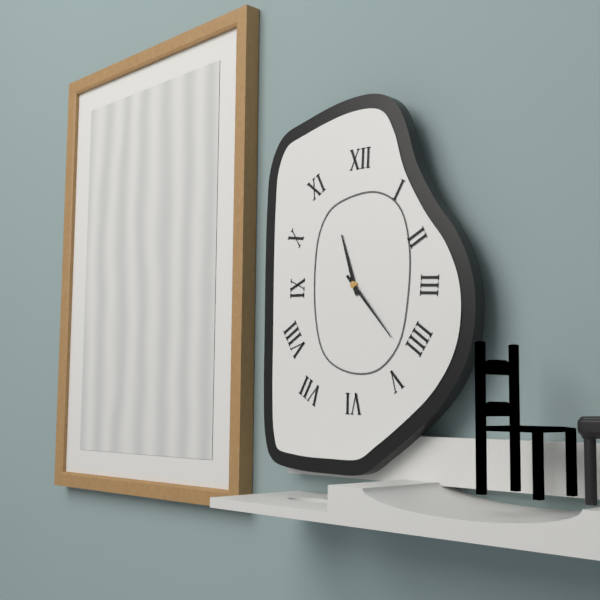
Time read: 11h23
